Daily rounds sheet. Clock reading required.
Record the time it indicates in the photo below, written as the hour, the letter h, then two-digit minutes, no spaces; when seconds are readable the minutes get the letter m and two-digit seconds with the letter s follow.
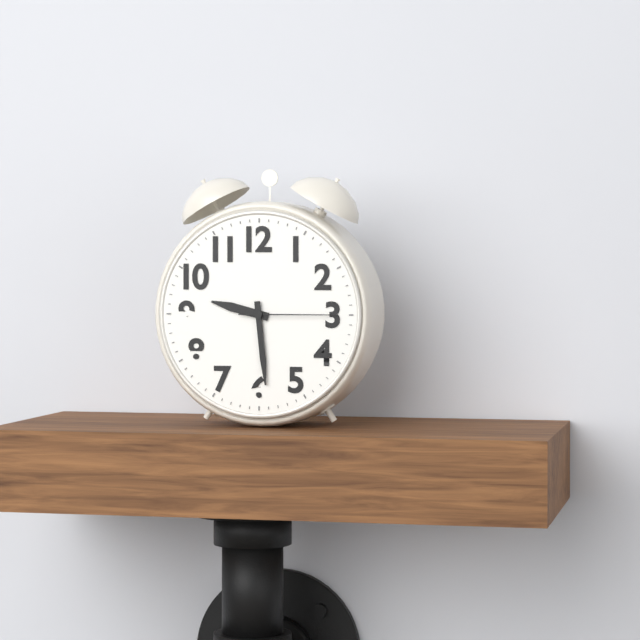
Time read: 9h29m15s
